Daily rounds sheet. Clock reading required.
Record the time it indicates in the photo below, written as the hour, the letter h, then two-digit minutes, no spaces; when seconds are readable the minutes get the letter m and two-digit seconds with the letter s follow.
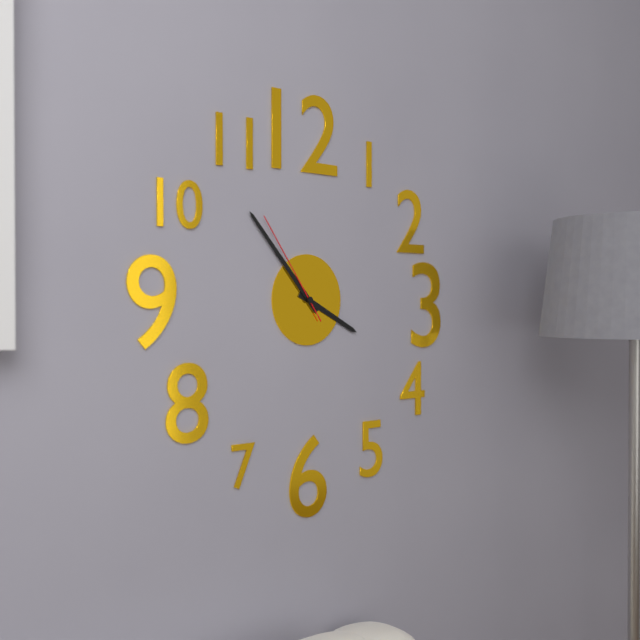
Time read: 3h53m54s
